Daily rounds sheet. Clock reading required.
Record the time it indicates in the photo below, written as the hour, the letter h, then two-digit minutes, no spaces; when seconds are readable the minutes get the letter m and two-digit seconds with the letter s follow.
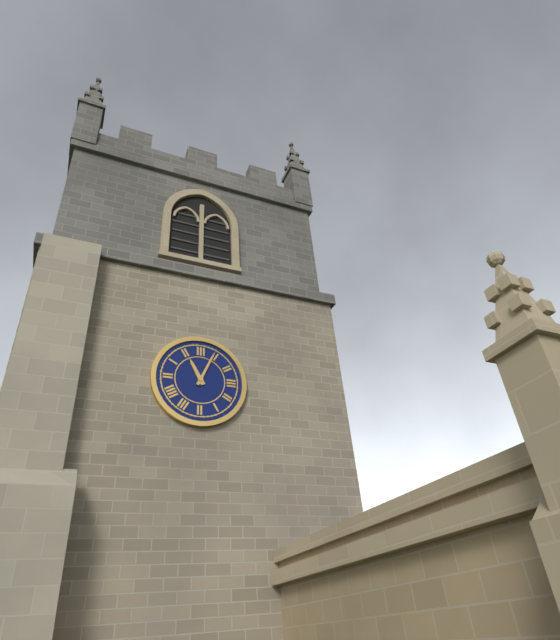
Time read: 11h04
